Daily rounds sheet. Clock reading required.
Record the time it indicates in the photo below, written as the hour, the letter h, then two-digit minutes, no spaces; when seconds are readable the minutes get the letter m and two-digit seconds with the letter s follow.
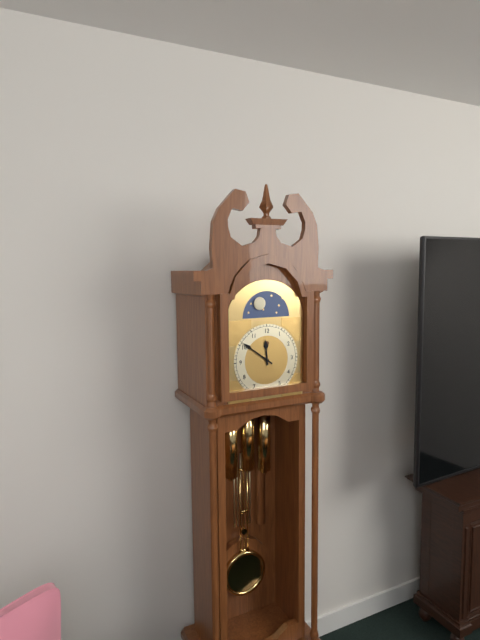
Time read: 11h51
